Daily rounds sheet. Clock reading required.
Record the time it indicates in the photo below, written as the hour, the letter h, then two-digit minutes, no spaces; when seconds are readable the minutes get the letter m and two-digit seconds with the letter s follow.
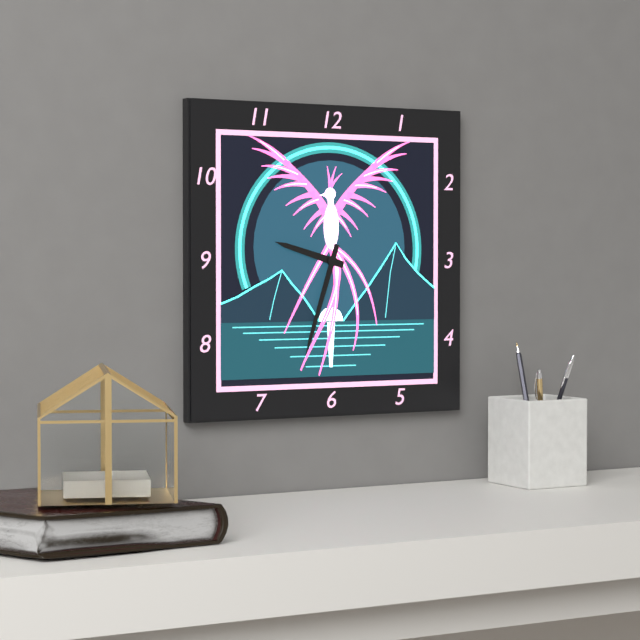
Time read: 9h33
